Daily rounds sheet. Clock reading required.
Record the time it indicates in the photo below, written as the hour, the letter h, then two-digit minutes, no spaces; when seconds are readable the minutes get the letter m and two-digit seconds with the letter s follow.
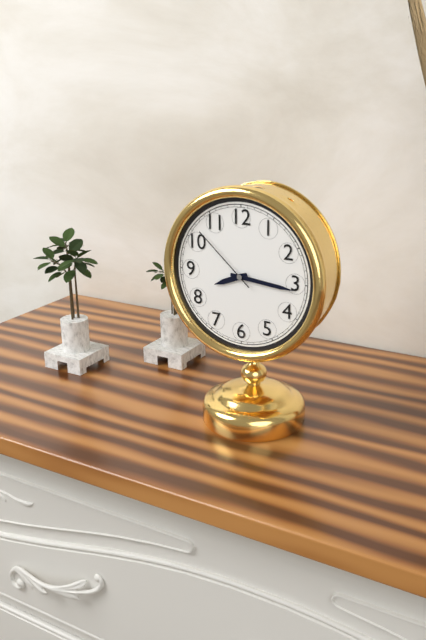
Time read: 8h16m52s
